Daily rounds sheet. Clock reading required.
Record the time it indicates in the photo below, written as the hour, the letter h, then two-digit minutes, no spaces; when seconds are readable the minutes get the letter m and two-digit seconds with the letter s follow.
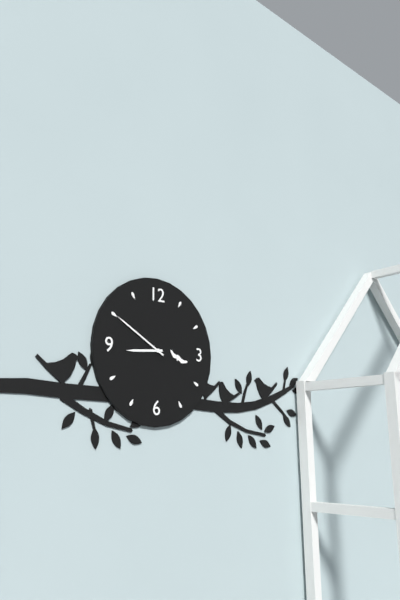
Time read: 8h50
